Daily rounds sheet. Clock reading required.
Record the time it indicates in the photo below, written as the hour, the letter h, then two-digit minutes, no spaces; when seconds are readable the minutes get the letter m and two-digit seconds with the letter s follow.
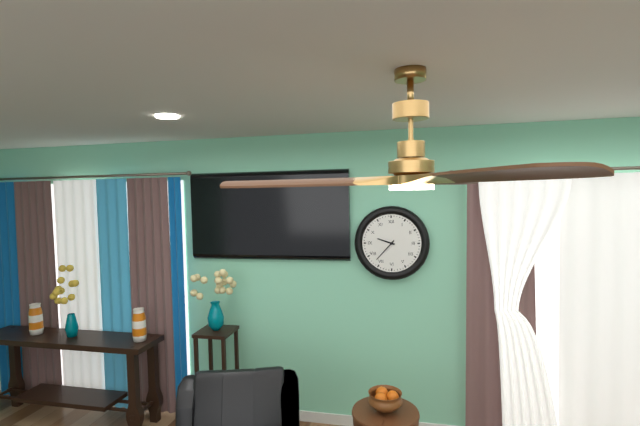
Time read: 9h37
